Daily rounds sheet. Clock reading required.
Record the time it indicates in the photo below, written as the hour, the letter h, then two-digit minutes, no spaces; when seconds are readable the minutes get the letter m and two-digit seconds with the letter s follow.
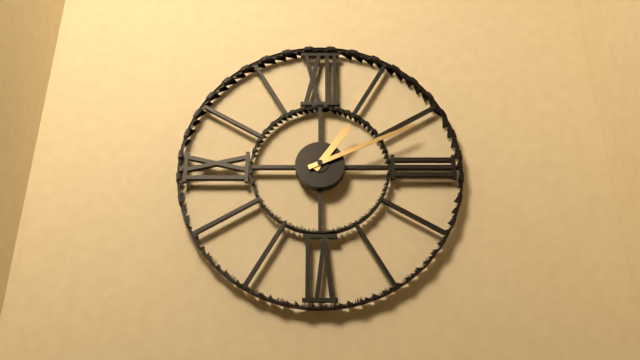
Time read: 1h11
